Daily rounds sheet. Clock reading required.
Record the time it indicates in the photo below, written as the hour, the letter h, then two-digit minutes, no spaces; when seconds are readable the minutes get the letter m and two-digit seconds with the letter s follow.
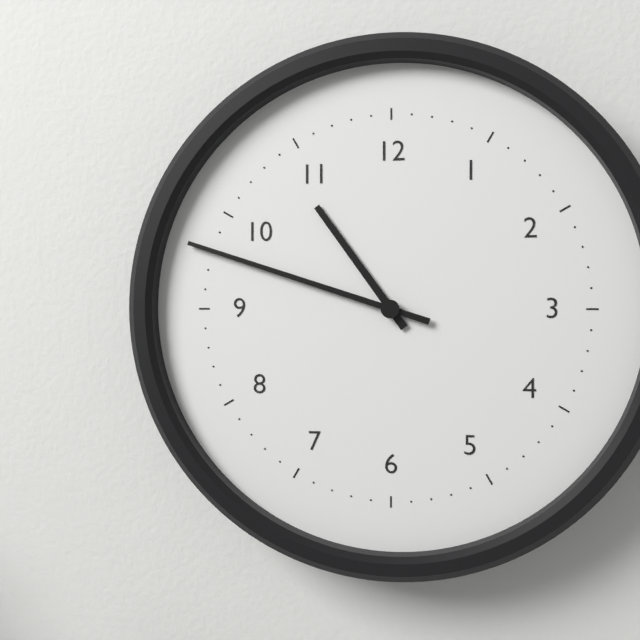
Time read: 10h48
